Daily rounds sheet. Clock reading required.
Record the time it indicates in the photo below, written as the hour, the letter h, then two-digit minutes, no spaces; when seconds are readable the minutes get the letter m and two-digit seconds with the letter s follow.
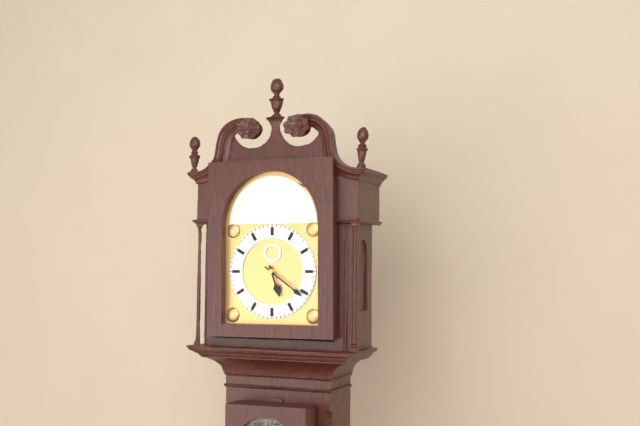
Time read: 5h21
